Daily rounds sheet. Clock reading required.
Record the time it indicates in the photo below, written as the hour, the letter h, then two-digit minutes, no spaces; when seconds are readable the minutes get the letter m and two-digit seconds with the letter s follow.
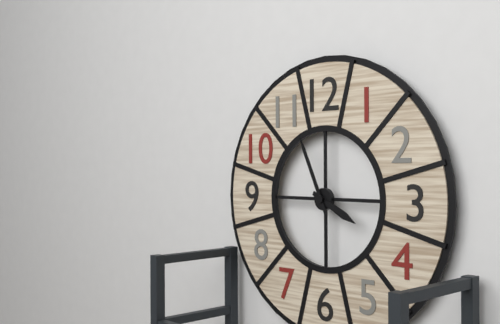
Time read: 3h56
